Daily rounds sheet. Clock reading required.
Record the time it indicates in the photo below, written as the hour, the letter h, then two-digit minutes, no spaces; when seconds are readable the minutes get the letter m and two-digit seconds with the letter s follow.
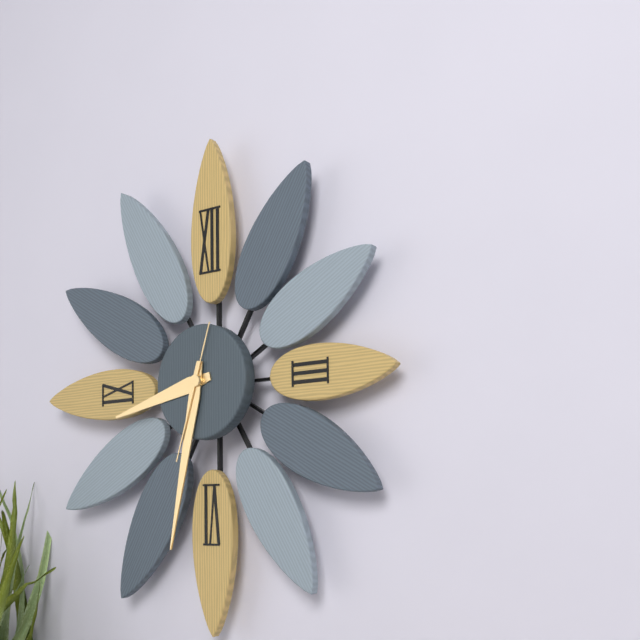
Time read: 8h32m33s
